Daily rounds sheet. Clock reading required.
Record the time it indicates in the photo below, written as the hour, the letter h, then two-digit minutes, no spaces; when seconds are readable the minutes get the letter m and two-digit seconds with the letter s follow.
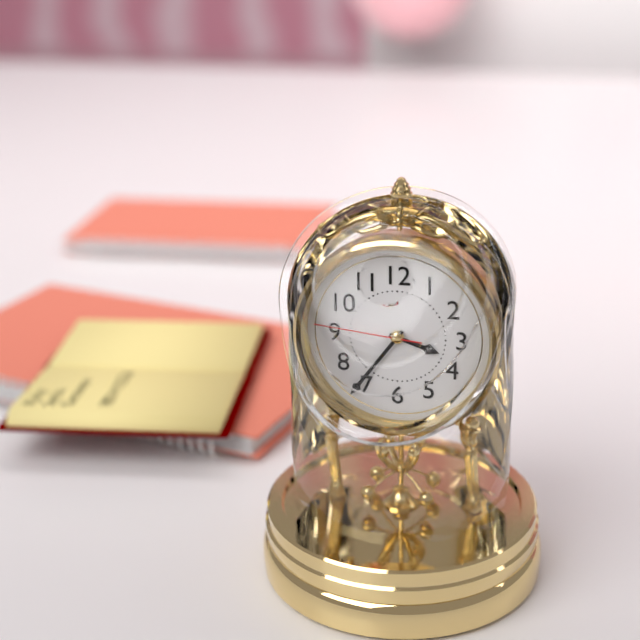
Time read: 3h36m46s
